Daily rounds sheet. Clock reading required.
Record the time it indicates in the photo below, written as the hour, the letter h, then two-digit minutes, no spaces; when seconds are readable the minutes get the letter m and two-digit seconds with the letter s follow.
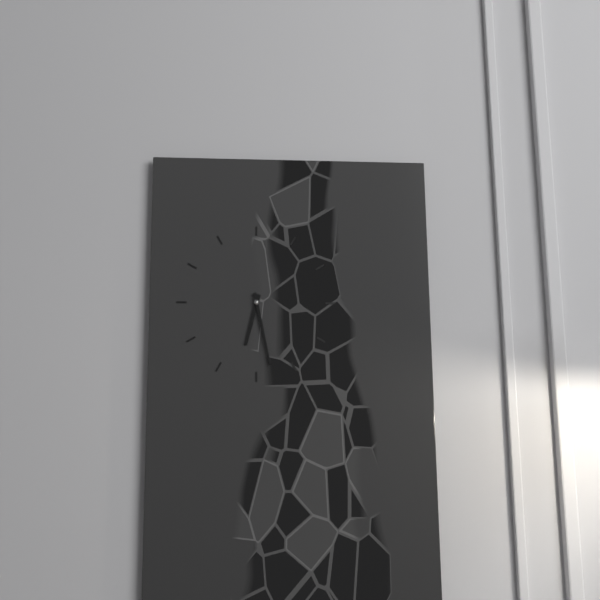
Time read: 6h28
